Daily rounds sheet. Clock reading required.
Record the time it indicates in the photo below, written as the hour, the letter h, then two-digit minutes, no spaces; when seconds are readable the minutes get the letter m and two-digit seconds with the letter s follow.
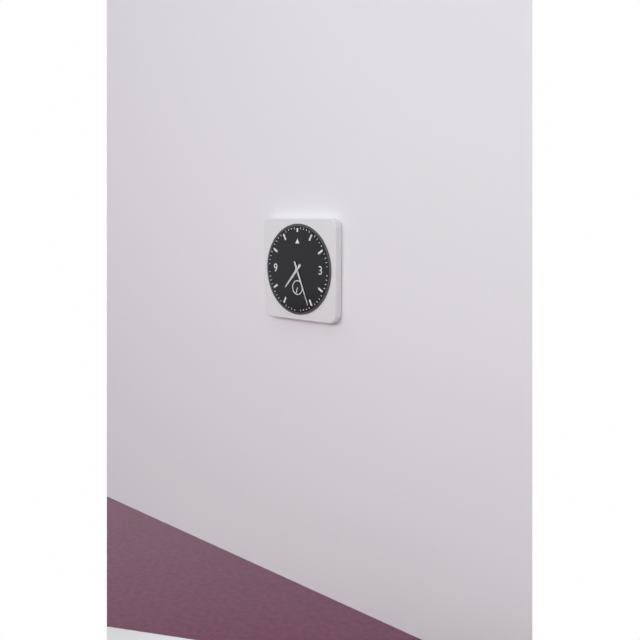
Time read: 7h26
